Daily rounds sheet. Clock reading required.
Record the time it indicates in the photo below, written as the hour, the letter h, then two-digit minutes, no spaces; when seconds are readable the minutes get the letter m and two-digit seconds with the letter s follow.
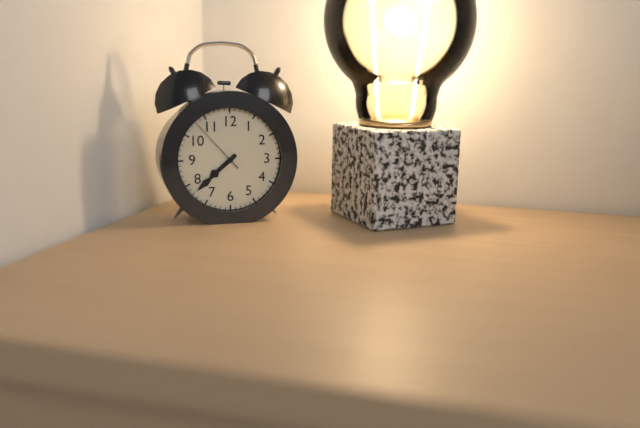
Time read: 7h38m53s
